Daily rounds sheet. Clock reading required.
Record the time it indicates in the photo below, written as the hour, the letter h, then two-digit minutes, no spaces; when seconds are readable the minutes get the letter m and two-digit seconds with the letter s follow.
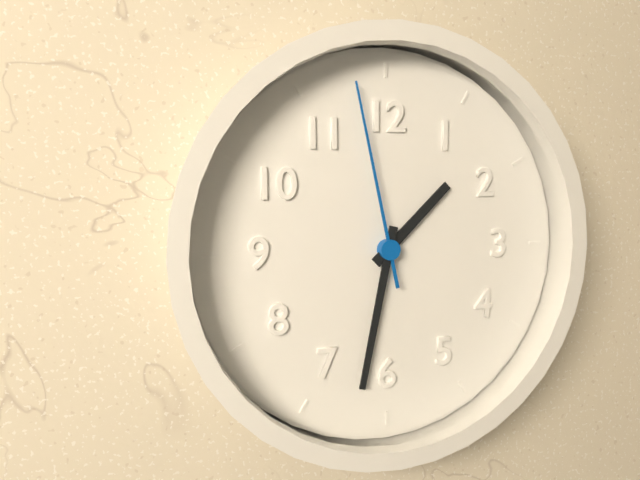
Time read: 1h32m58s
